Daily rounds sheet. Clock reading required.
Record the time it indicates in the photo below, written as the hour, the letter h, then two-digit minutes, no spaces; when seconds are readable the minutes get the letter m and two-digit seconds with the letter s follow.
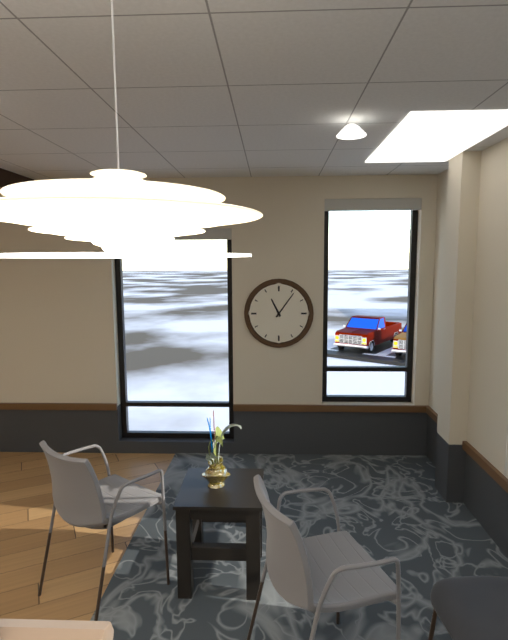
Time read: 11h06
